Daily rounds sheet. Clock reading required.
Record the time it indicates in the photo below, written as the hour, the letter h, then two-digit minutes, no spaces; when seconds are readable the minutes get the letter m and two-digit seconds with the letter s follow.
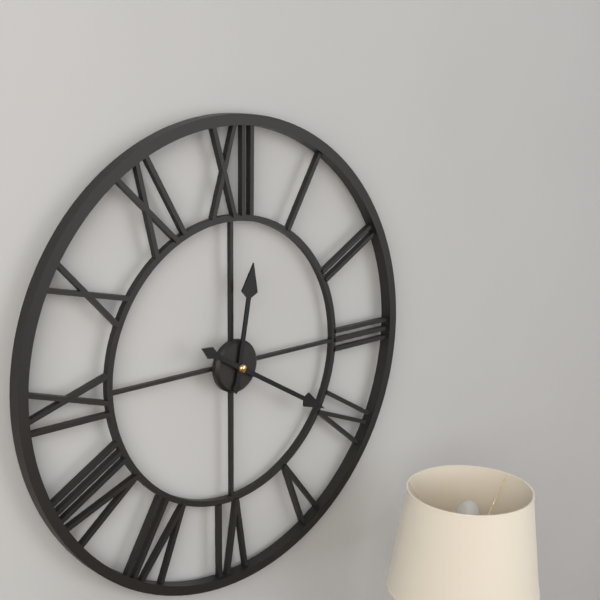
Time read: 12h20
